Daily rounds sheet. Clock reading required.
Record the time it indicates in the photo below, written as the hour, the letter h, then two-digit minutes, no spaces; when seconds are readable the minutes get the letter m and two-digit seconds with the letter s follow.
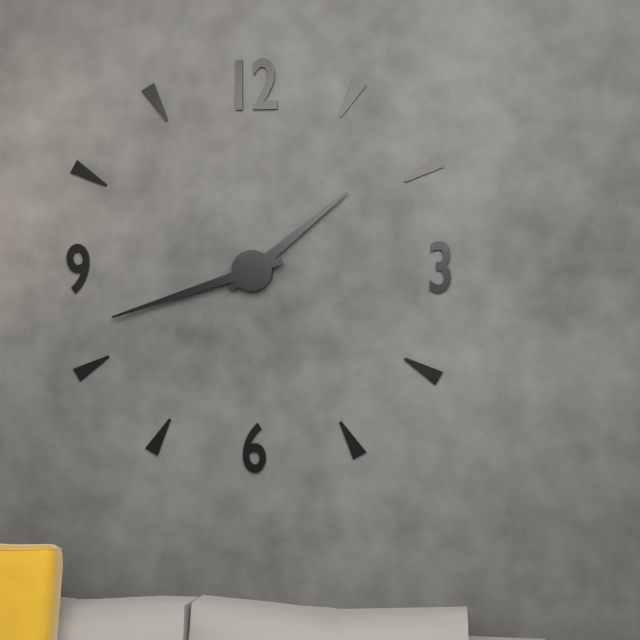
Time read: 1h42
